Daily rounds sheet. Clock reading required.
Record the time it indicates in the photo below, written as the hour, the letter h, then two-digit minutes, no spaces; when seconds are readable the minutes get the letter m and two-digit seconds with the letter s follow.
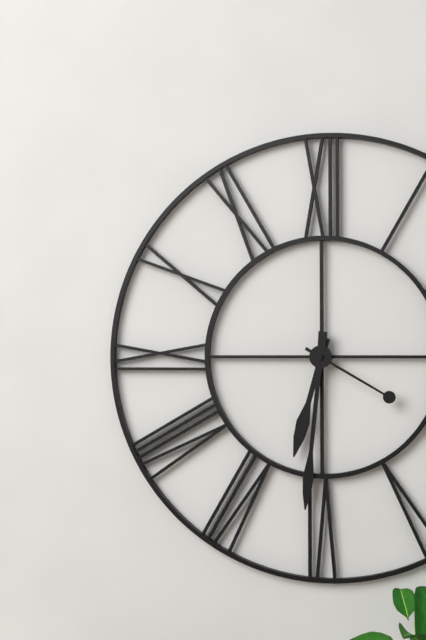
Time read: 6h31m20s
